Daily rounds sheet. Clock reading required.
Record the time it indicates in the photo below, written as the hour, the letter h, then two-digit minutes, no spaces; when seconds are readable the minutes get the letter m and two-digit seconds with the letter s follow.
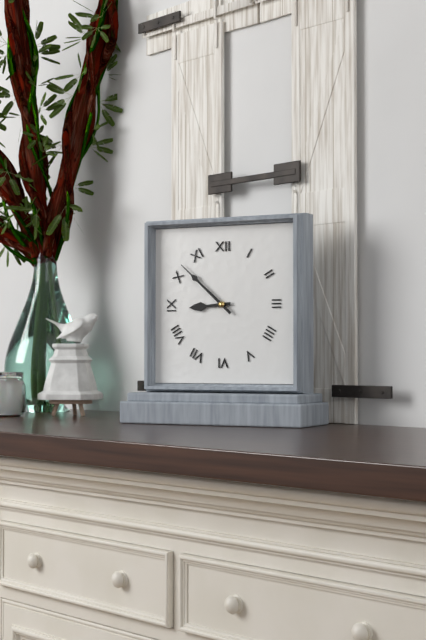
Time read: 8h52
